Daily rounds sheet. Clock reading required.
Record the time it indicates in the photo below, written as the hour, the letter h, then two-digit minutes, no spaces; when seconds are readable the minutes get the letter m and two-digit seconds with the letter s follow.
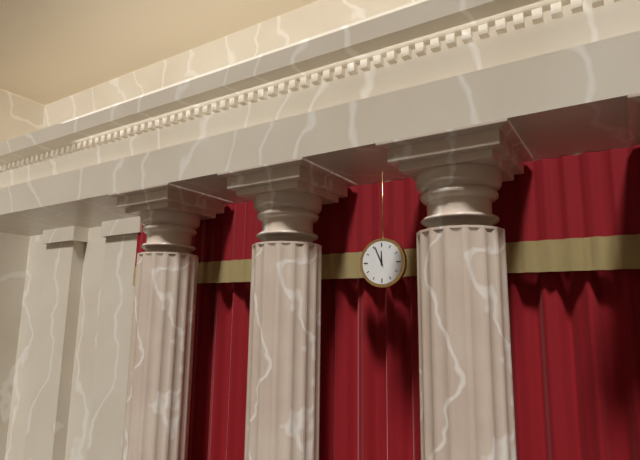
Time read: 11h56
